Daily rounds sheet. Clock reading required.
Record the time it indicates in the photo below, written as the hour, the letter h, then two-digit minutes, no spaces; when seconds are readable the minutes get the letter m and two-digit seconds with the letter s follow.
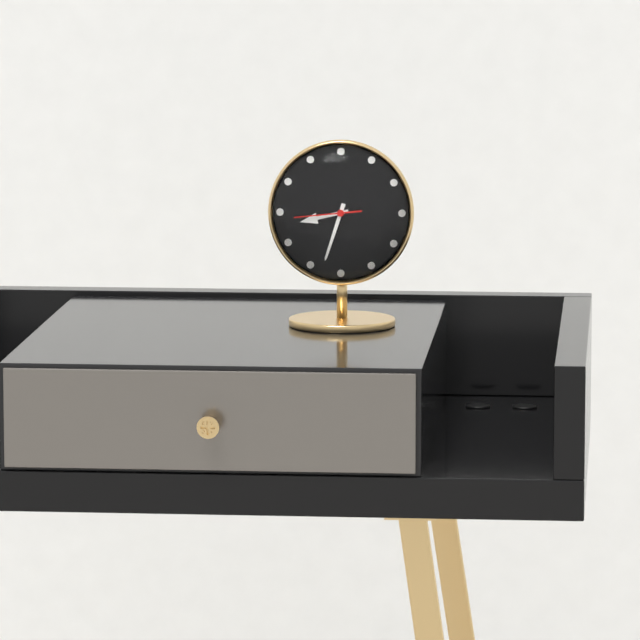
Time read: 8h33m44s
